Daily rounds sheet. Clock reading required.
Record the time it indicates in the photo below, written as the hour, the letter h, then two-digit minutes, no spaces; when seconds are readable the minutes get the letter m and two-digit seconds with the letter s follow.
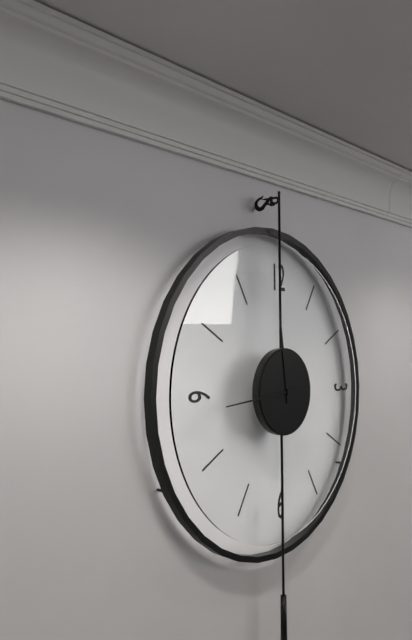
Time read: 11h44
